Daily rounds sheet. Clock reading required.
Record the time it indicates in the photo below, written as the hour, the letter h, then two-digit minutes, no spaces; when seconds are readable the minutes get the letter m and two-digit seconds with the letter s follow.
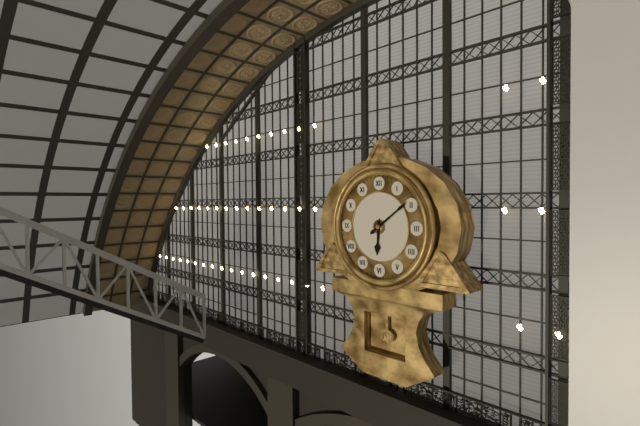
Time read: 6h09
